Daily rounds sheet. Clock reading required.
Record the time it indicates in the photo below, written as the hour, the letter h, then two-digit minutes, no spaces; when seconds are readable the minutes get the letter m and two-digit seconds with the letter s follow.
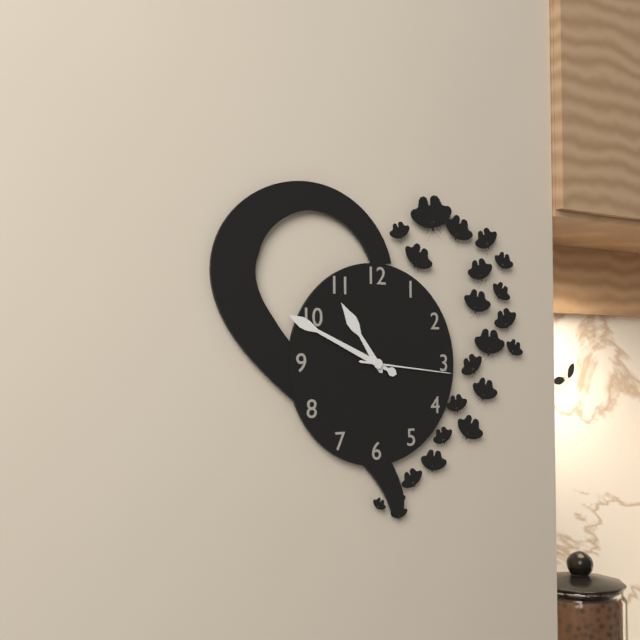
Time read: 10h49m16s
